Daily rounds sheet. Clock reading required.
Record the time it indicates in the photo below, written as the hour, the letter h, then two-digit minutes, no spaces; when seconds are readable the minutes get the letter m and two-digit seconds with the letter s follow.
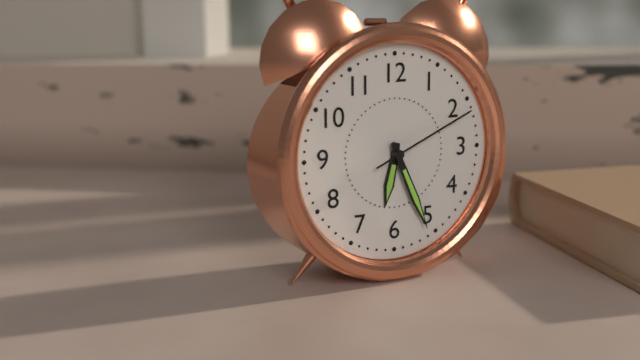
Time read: 6h26m11s
